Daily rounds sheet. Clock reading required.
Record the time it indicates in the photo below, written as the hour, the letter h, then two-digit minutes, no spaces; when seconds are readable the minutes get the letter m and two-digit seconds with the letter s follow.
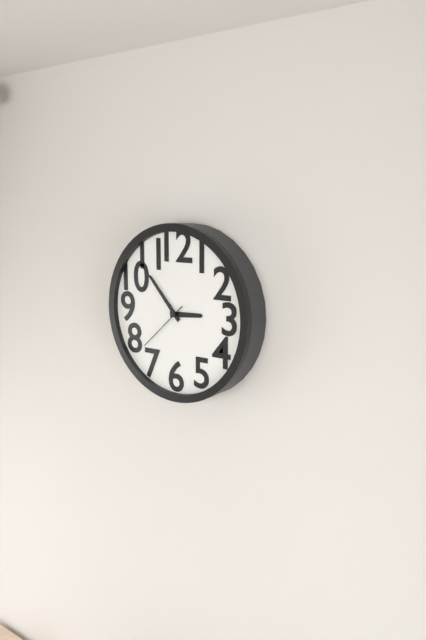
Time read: 2h53m38s
